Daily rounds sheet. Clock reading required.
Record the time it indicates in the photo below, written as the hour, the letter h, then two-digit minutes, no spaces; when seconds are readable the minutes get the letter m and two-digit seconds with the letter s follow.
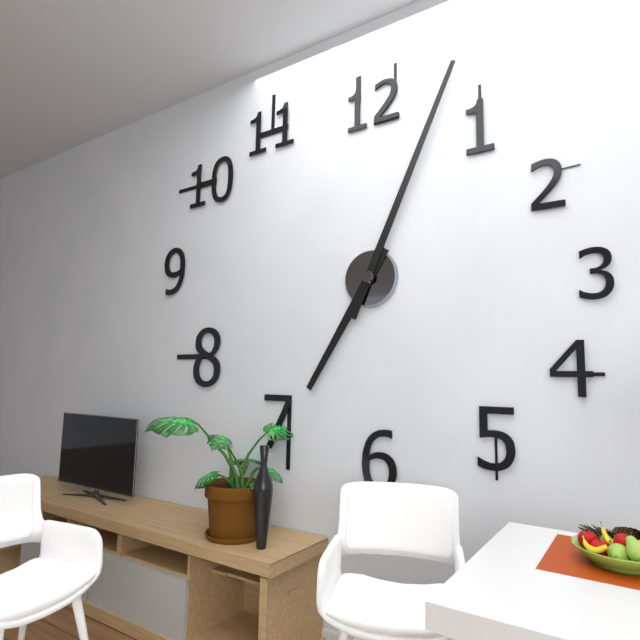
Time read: 7h04
